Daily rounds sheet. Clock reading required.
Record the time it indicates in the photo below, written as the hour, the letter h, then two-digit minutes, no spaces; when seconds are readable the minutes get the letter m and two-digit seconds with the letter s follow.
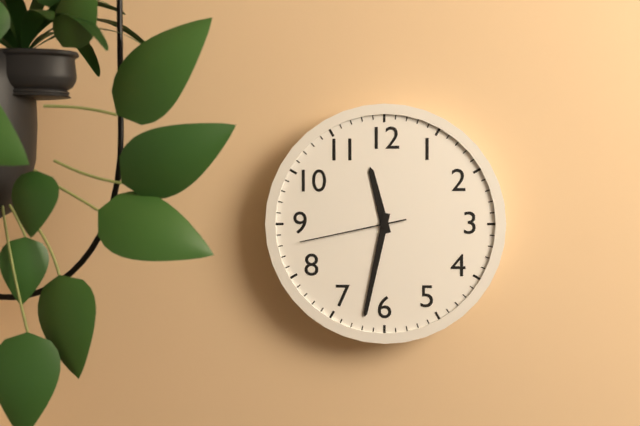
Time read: 11h32m43s
